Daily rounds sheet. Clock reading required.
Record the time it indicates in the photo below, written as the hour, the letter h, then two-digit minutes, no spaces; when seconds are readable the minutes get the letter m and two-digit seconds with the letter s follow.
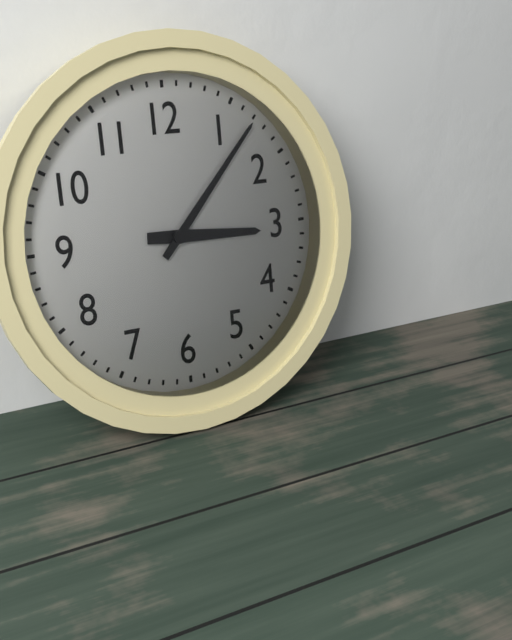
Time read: 3h07
